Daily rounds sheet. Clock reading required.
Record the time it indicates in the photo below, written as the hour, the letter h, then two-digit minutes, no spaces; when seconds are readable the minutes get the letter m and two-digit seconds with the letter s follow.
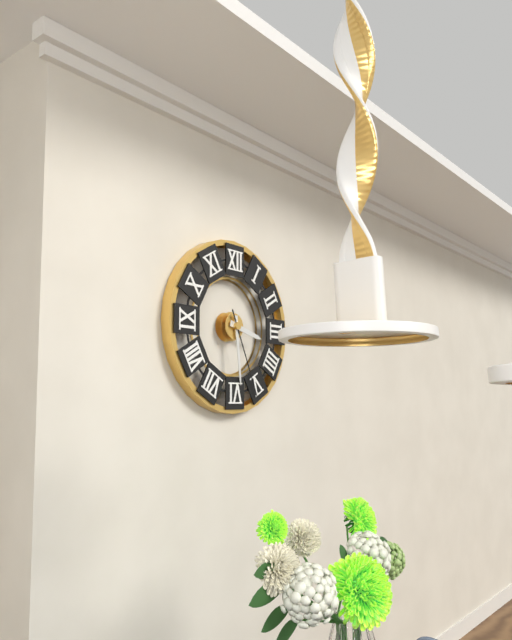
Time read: 3h29m26s
